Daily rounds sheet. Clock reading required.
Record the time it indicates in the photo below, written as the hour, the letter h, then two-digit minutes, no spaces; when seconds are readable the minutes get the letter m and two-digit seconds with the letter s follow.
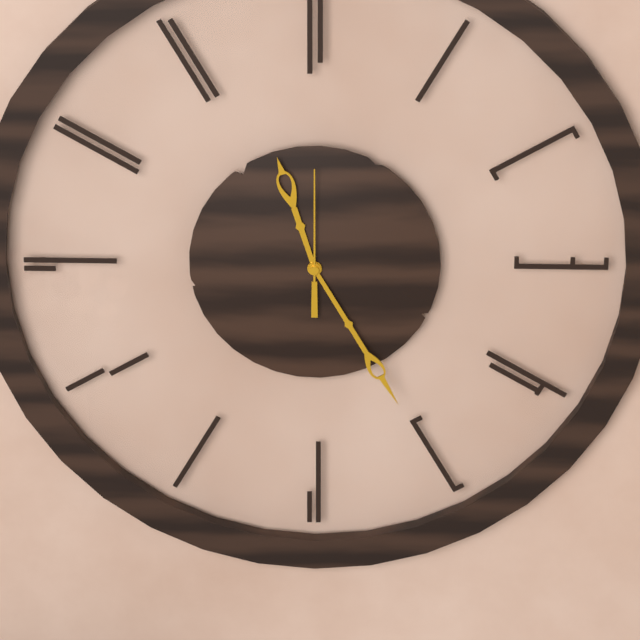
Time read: 11h25m00s
